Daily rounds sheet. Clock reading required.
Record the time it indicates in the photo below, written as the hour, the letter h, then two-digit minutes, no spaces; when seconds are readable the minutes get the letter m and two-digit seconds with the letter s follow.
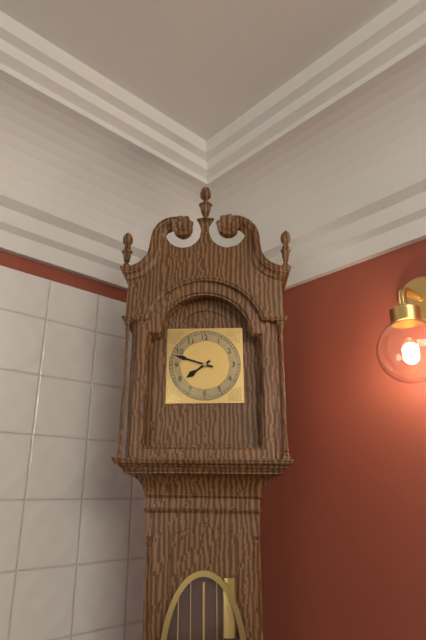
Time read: 7h48
